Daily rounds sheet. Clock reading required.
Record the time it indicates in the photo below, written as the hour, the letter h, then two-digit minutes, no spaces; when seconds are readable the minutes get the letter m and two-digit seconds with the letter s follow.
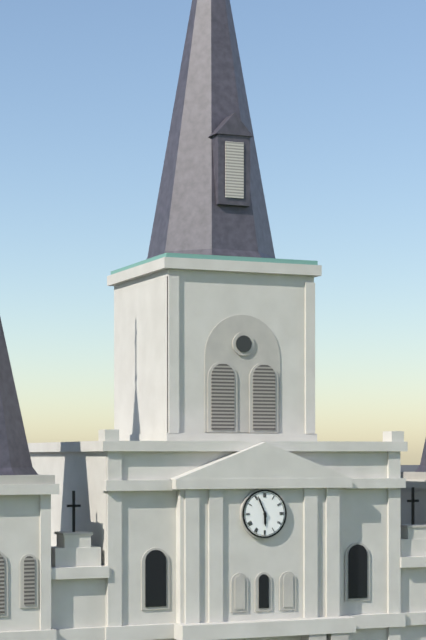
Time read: 5h56
